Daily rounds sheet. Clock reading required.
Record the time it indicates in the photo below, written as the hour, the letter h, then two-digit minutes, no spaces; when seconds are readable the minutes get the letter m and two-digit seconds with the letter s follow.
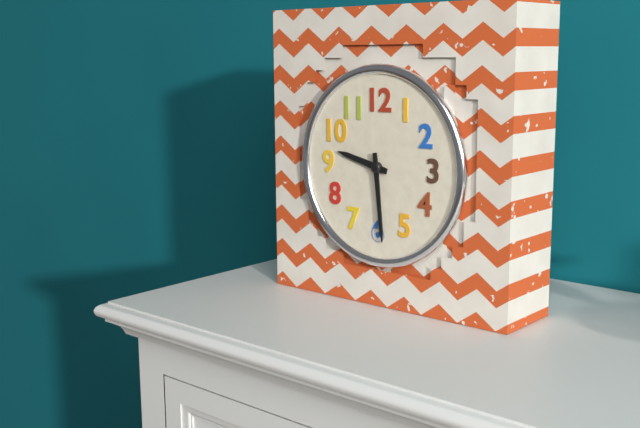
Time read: 9h29
